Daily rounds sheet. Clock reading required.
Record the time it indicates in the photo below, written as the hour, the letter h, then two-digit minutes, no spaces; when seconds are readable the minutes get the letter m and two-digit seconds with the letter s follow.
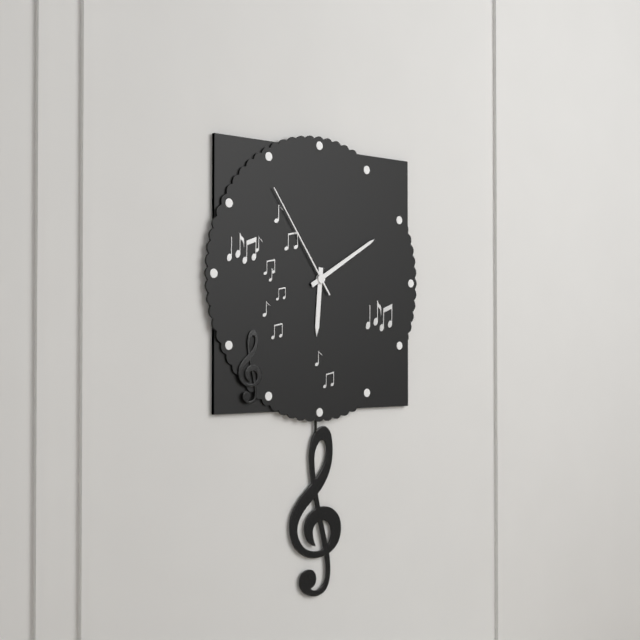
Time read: 6h10m54s
